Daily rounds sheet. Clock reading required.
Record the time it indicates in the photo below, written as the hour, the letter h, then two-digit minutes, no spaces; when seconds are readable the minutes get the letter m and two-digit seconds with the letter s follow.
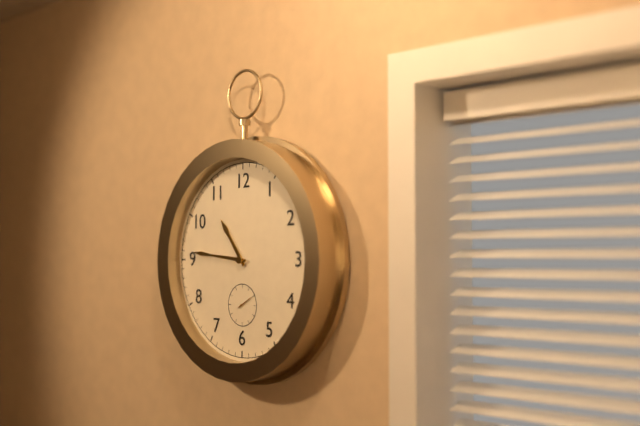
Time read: 10h46
